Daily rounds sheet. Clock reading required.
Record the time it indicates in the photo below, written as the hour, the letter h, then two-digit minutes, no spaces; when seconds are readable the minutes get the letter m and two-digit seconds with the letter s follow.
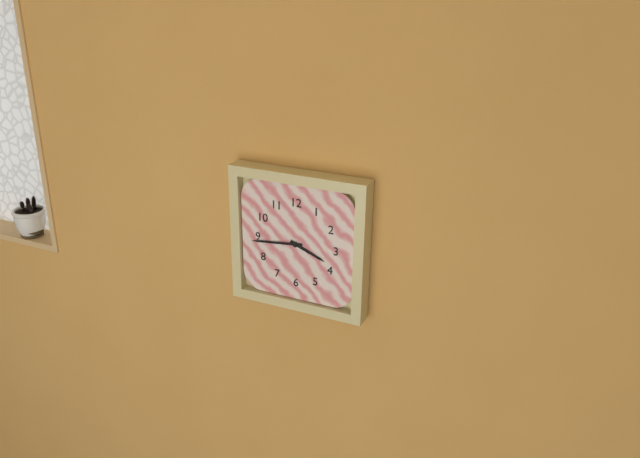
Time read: 3h44
